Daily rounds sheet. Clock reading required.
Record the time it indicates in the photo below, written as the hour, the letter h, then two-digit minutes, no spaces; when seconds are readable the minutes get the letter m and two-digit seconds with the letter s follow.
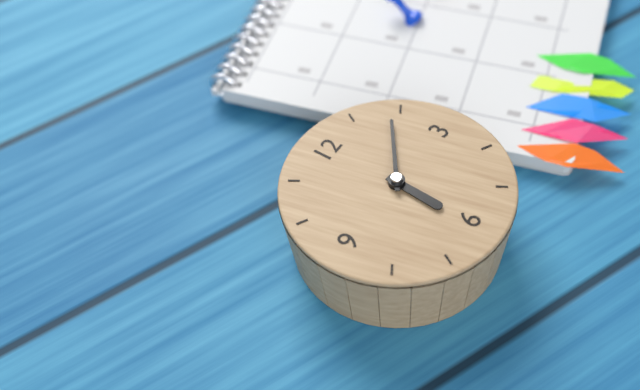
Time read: 6h09
